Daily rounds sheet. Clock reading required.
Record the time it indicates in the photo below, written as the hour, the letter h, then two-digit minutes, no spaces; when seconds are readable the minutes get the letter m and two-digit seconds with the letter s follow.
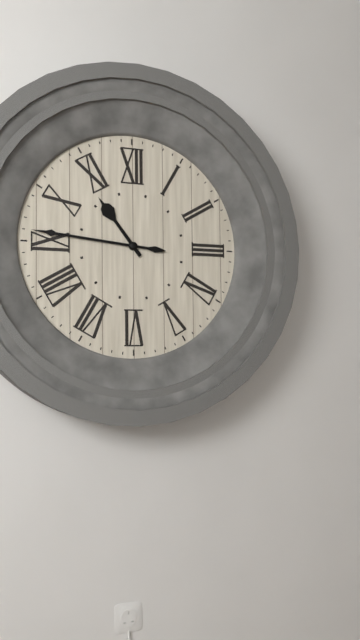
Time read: 10h46
